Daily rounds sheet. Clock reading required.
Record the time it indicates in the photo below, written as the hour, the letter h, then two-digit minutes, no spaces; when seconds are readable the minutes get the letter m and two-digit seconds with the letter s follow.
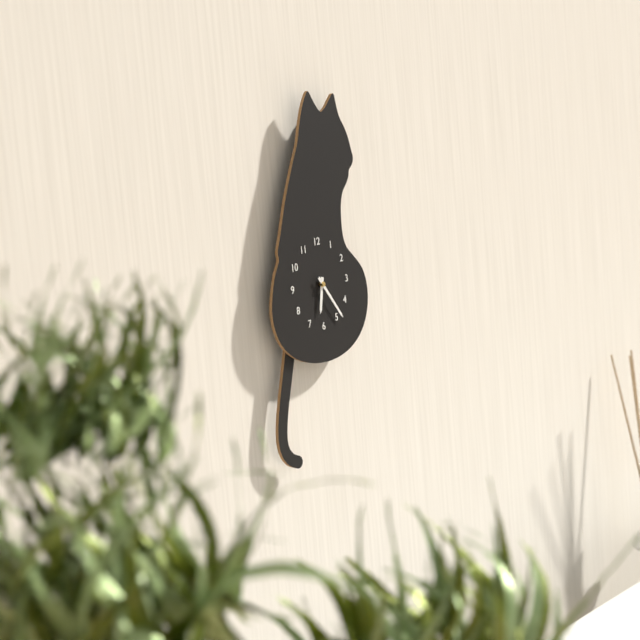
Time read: 6h24
